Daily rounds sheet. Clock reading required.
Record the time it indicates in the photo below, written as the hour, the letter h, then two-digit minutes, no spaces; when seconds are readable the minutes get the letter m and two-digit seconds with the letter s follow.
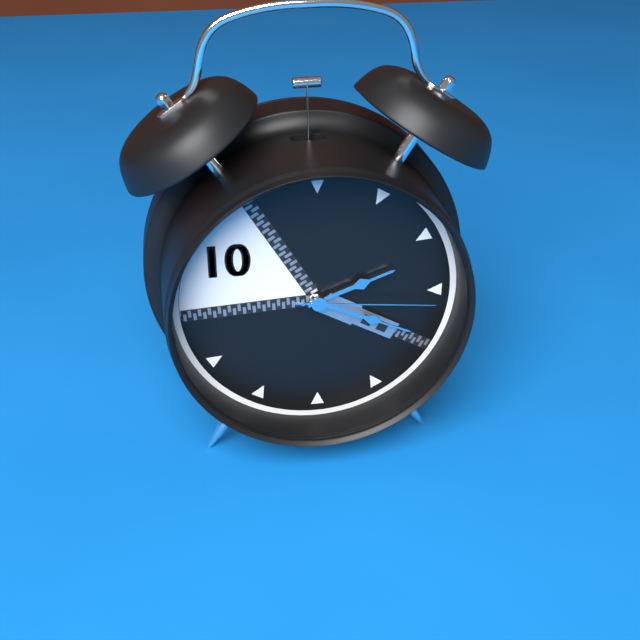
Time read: 2h19m16s
